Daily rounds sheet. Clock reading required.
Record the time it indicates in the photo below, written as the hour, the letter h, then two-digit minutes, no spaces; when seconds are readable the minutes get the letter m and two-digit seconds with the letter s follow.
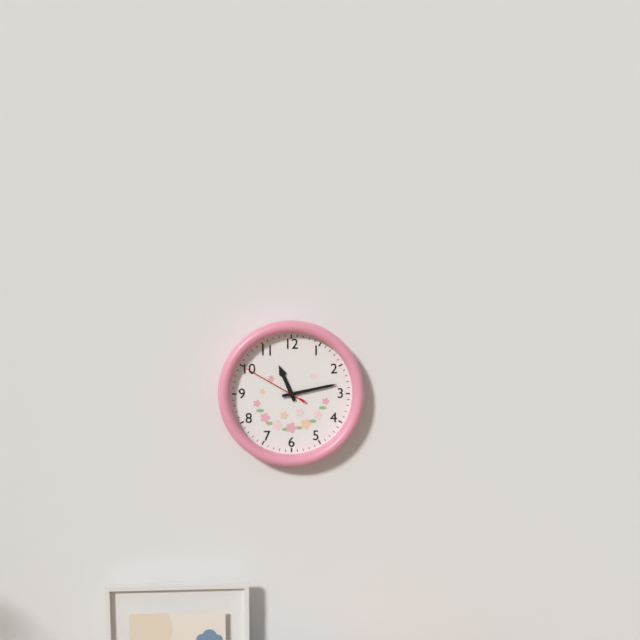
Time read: 11h13m50s
